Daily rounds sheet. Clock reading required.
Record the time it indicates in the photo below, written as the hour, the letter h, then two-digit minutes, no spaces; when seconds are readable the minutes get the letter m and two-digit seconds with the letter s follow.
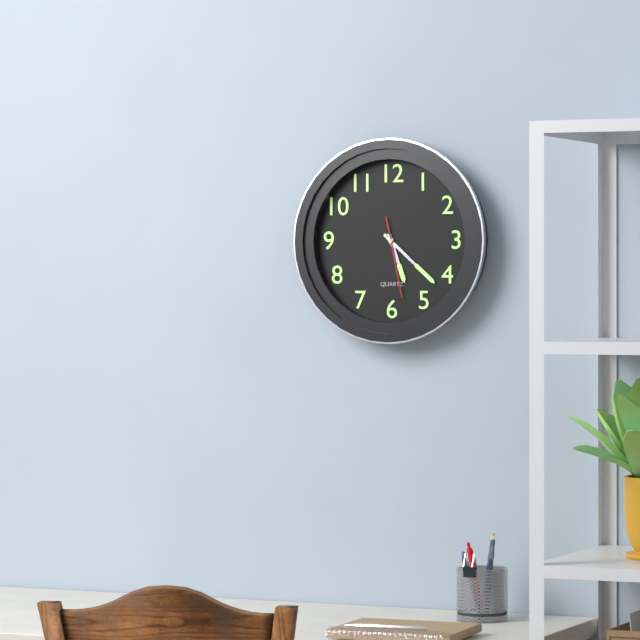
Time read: 5h22m28s
